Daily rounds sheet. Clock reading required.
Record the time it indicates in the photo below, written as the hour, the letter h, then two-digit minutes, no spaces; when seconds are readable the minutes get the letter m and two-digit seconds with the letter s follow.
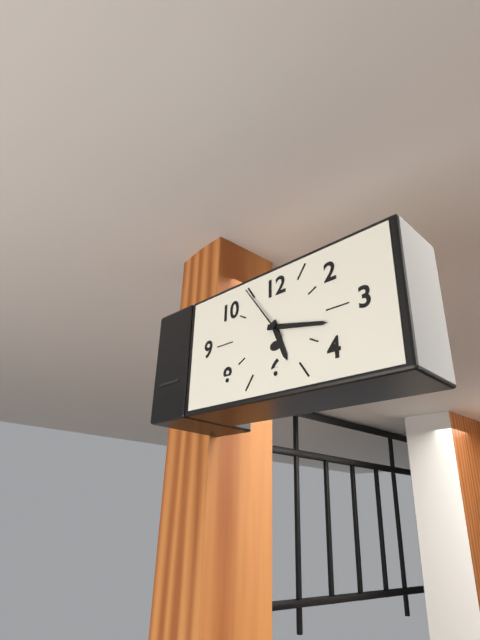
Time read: 5h17m54s
